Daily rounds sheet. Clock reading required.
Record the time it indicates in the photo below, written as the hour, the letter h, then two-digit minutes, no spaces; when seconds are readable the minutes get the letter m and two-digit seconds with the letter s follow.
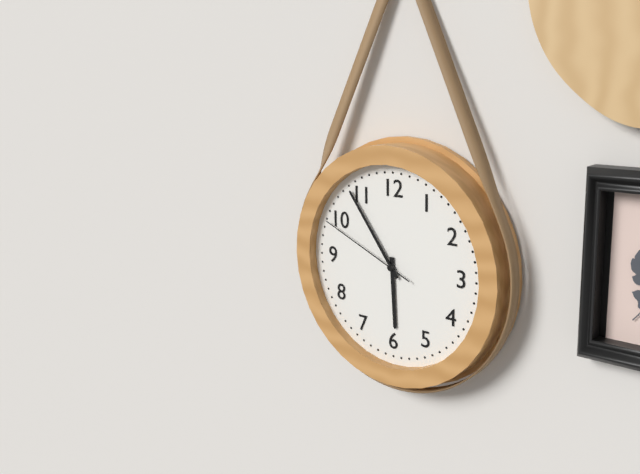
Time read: 5h54m49s
